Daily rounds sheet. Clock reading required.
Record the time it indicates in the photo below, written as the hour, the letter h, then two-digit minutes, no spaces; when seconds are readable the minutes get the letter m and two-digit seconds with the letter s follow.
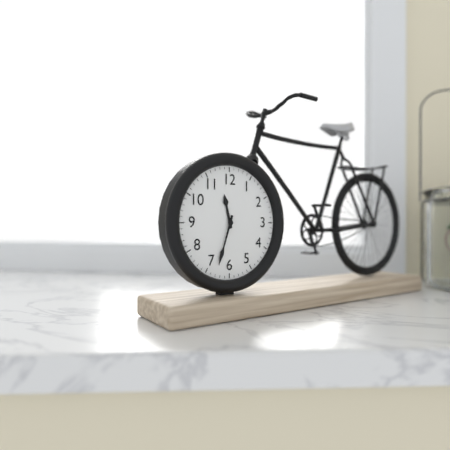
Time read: 11h33
